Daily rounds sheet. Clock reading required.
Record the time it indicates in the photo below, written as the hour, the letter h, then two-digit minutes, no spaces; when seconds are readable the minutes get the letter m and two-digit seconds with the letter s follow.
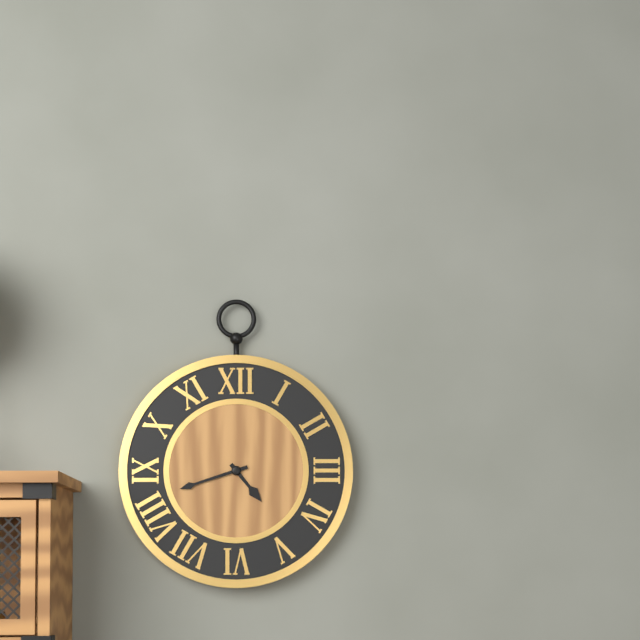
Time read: 4h42
